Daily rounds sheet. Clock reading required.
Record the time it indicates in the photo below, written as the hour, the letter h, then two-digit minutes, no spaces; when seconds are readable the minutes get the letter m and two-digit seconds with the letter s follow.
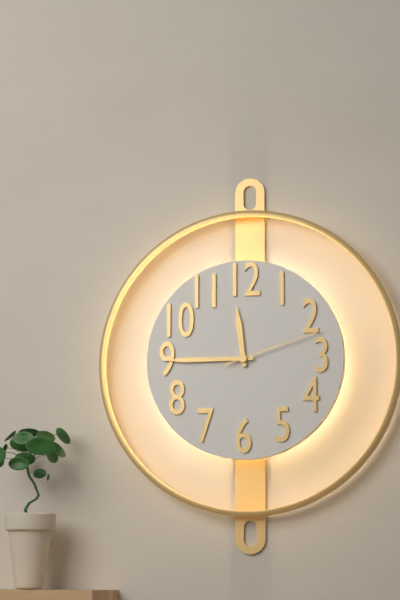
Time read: 11h45m12s
